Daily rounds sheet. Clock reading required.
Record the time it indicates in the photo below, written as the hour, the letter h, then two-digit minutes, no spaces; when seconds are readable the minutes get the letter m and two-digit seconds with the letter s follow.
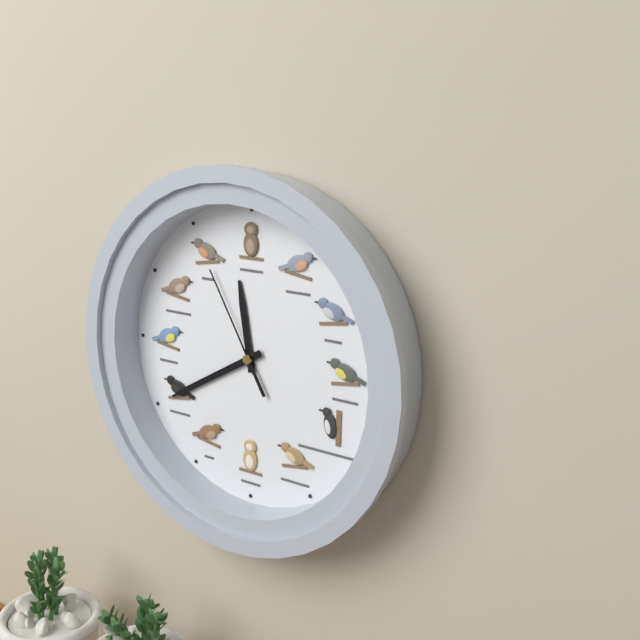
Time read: 11h40m55s
